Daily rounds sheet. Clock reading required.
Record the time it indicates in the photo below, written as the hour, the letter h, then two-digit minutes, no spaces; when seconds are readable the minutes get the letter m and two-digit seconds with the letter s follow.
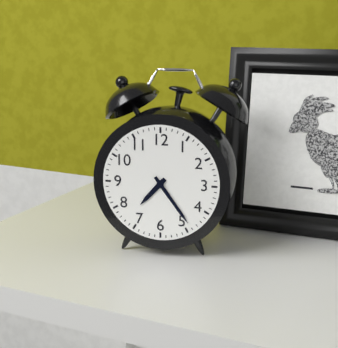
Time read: 7h24
